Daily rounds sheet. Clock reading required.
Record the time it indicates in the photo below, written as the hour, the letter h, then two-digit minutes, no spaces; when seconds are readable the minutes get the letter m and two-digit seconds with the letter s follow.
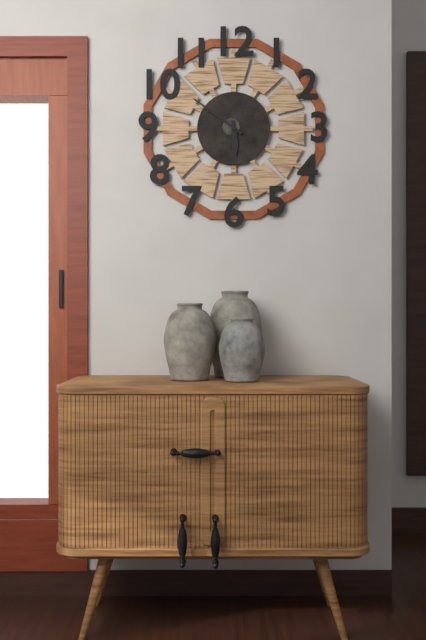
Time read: 5h51
